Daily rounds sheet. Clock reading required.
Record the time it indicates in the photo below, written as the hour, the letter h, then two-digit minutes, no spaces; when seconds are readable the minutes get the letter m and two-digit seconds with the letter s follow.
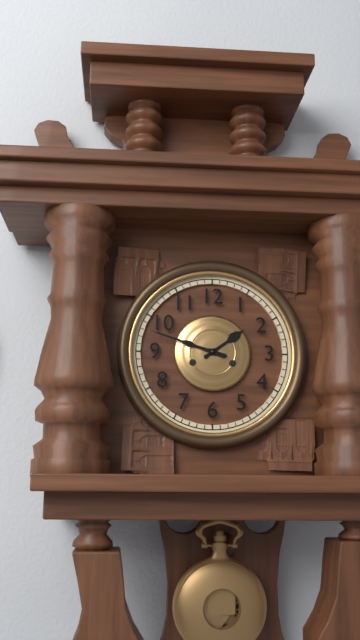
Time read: 1h48
